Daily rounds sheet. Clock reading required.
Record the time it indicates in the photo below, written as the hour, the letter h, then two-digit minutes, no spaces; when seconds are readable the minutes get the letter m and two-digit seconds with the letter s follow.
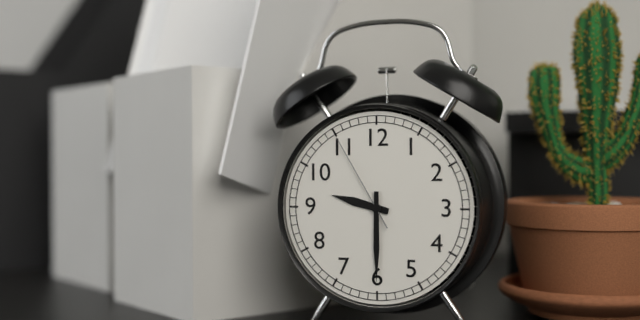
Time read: 9h30m55s
